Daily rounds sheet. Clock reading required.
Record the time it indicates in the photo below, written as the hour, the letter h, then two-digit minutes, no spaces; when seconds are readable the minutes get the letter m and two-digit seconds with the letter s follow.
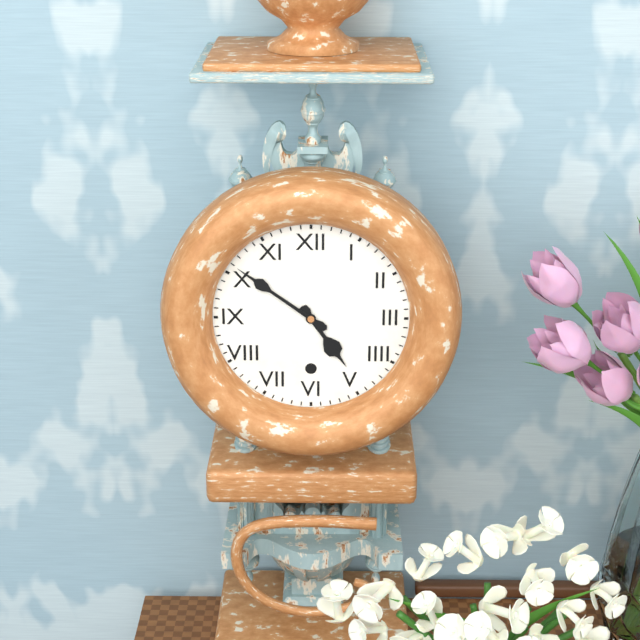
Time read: 4h51
